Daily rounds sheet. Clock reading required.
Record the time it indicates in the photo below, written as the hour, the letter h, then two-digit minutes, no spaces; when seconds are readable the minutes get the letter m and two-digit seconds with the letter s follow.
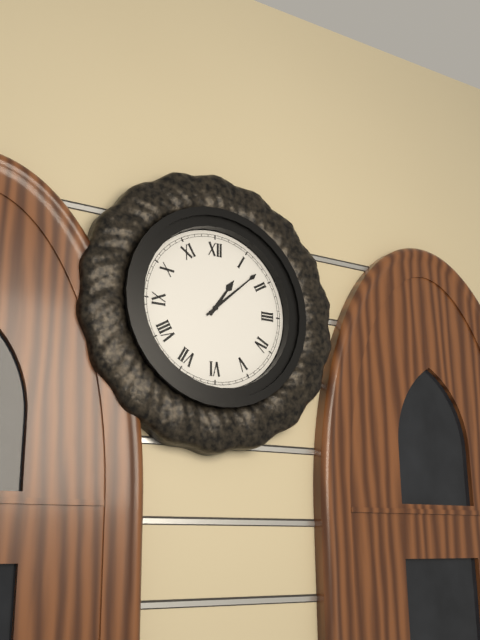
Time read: 1h08
